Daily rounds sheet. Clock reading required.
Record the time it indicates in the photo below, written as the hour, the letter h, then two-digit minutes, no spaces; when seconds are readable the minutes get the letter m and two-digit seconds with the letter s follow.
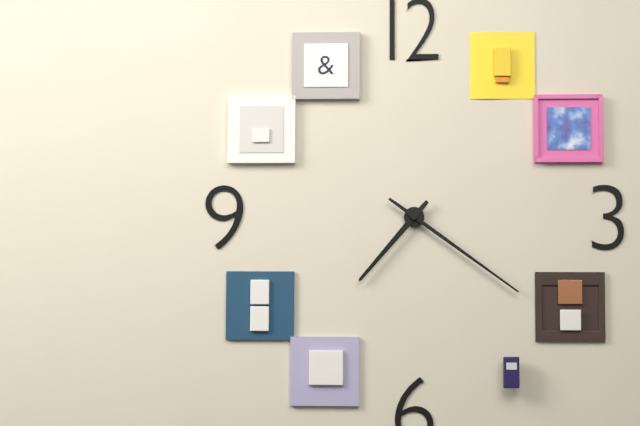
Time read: 7h21
